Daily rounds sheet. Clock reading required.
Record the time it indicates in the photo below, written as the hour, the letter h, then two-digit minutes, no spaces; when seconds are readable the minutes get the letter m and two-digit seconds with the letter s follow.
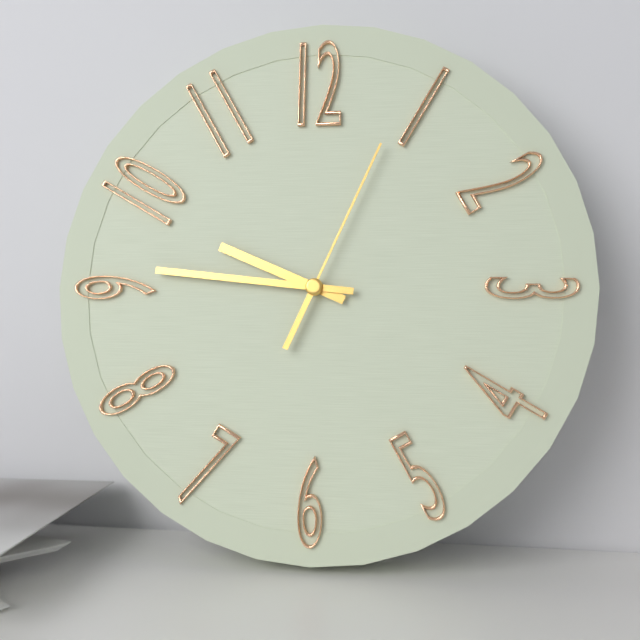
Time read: 9h46m04s
